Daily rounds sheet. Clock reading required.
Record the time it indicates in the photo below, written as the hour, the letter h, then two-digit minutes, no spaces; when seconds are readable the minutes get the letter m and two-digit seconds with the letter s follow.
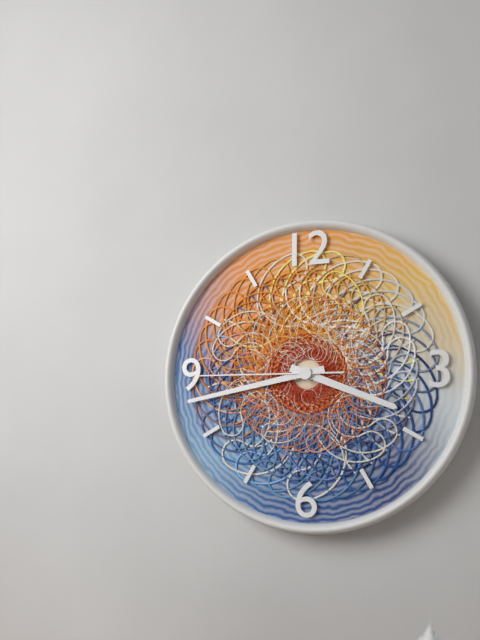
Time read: 3h43m45s
